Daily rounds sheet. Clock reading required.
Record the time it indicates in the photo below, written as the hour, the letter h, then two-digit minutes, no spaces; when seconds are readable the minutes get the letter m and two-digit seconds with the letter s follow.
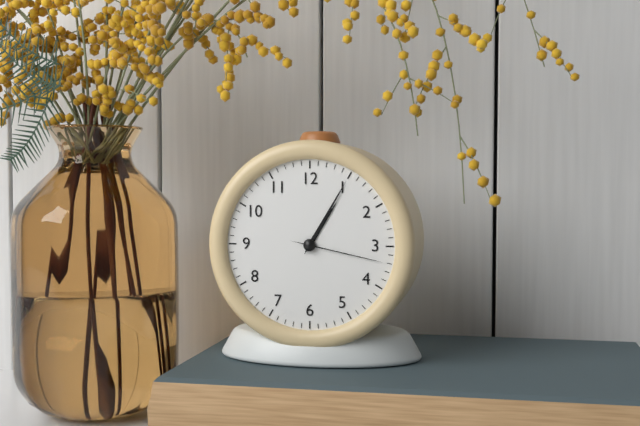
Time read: 1h05m17s
